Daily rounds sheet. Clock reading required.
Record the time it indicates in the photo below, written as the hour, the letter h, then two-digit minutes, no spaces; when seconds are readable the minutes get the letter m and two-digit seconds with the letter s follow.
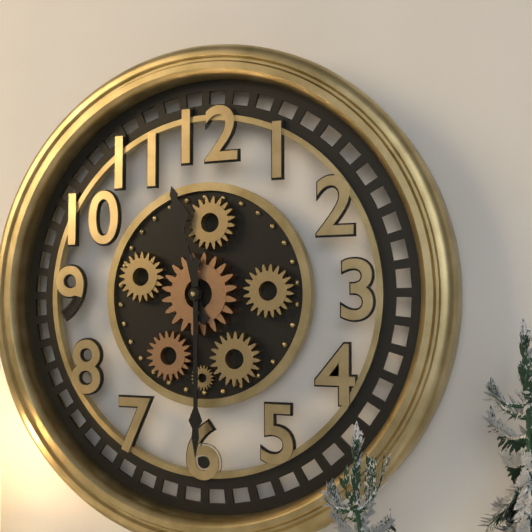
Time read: 11h30
